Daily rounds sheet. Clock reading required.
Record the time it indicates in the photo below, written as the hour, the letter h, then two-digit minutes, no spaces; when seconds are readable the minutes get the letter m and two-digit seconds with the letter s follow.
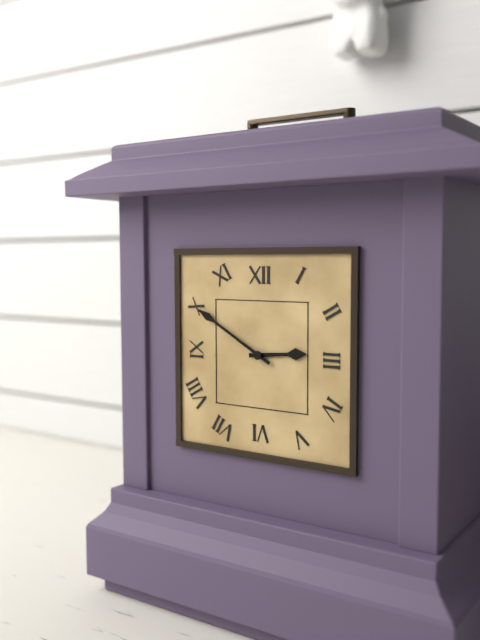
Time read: 2h50
